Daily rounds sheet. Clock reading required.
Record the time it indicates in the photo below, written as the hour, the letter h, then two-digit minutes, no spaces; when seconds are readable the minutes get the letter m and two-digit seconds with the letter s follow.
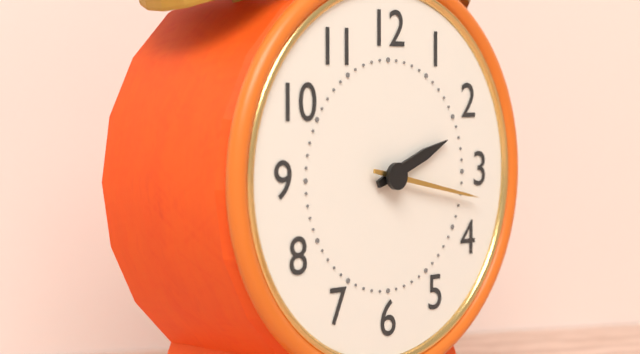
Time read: 2h17
